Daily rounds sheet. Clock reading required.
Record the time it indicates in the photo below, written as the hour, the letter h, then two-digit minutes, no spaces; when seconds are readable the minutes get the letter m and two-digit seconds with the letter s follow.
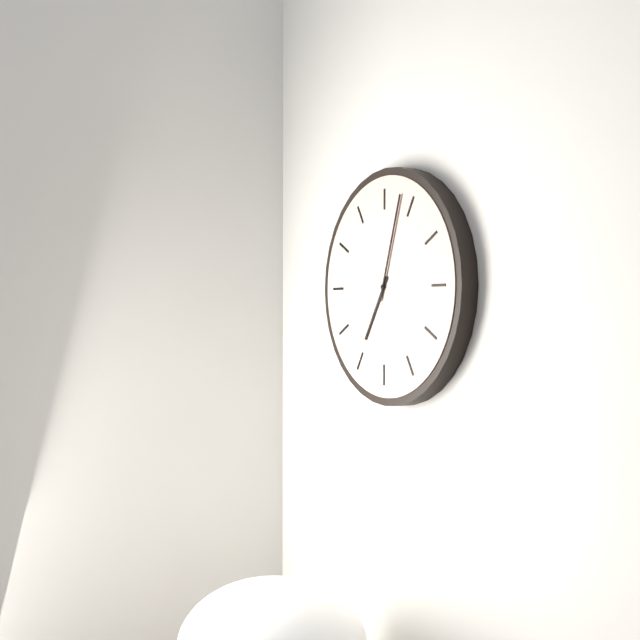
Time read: 7h03
